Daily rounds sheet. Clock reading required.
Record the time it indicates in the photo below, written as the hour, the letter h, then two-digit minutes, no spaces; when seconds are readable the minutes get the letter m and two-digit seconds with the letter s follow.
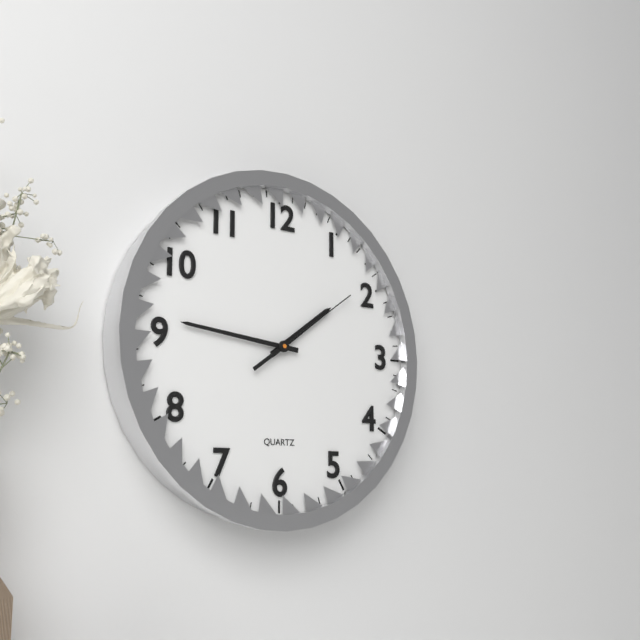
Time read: 1h46m09s
